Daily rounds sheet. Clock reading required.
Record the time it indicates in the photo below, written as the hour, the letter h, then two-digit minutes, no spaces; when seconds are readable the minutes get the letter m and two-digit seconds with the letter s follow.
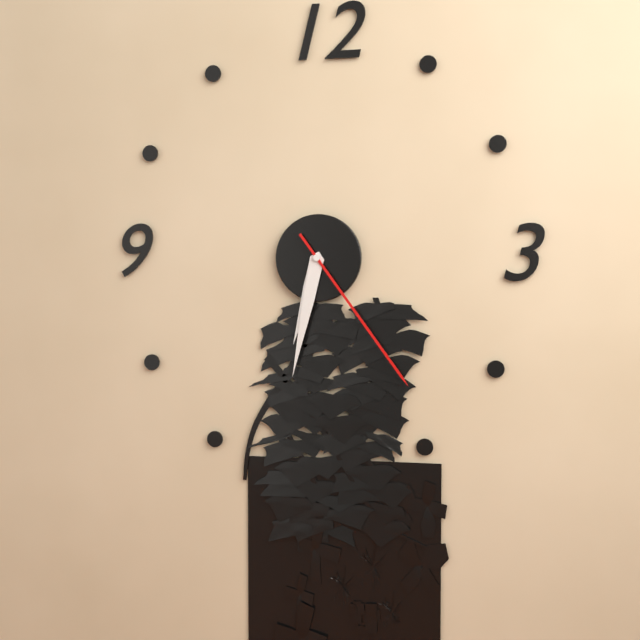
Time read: 6h32m24s
